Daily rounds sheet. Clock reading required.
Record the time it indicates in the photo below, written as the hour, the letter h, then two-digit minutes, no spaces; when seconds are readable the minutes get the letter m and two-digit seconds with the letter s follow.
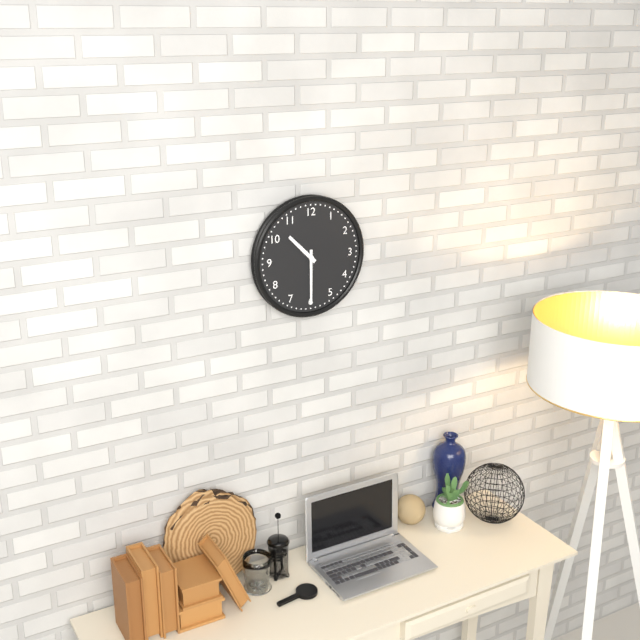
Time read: 10h30
